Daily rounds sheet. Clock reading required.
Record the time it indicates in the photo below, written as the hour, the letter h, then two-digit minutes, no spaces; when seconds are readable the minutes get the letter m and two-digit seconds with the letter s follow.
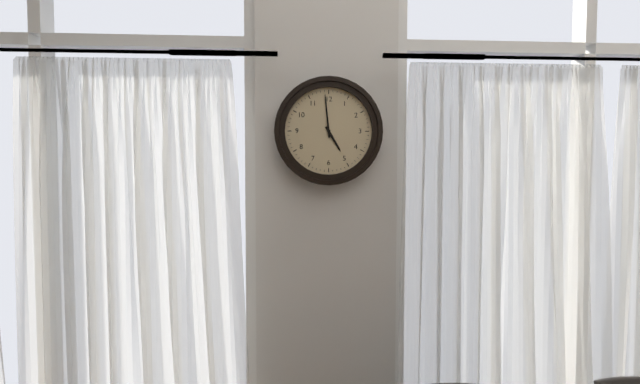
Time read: 4h59
